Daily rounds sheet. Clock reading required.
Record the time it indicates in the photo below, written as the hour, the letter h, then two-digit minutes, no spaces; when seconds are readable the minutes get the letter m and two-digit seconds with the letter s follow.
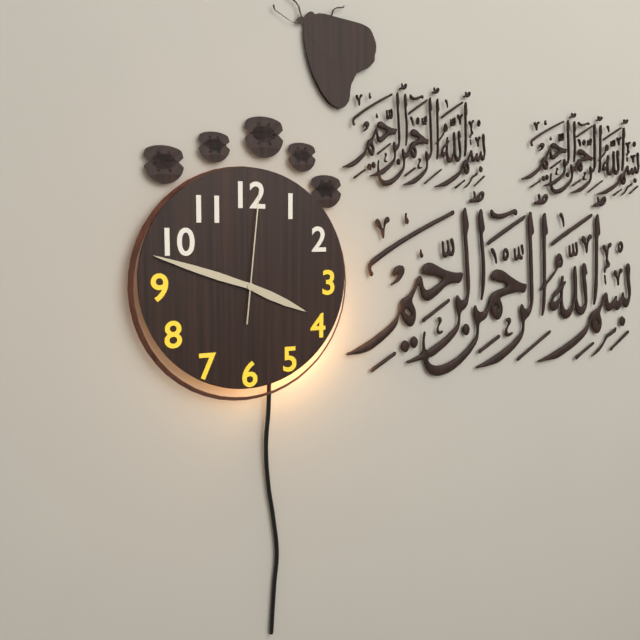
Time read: 3h48m01s
